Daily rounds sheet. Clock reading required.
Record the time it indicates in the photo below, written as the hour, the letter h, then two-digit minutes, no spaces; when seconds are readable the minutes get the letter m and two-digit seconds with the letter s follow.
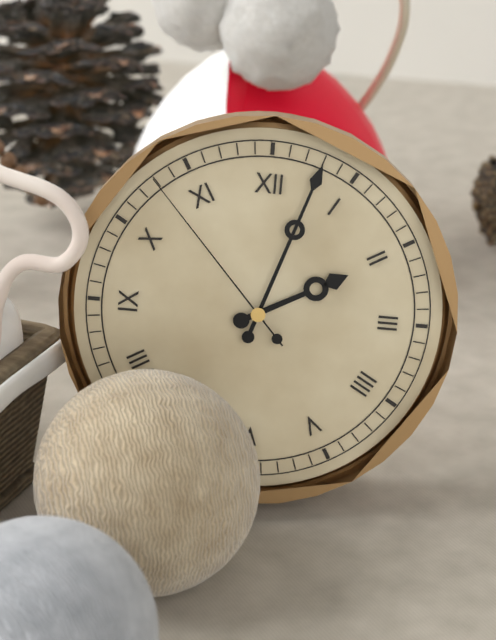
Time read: 2h03m53s
